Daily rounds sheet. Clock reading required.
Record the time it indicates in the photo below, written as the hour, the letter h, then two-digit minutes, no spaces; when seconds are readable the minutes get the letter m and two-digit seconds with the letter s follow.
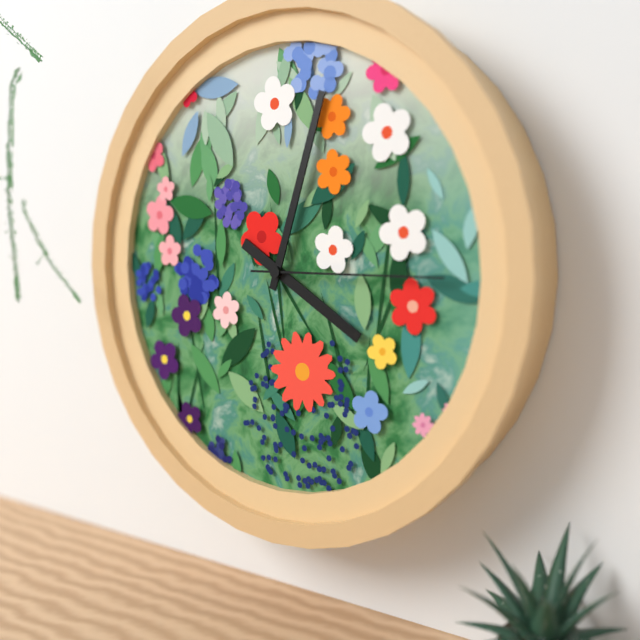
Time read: 4h03m15s
